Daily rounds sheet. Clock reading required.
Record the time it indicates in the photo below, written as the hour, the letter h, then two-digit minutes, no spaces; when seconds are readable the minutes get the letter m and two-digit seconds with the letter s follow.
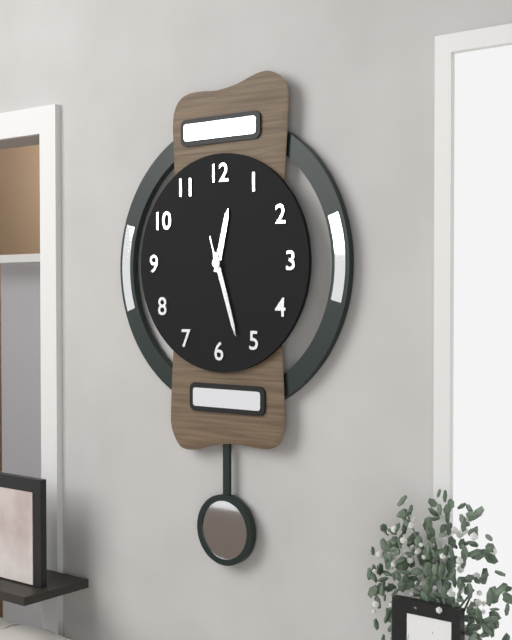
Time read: 12h27m27s
